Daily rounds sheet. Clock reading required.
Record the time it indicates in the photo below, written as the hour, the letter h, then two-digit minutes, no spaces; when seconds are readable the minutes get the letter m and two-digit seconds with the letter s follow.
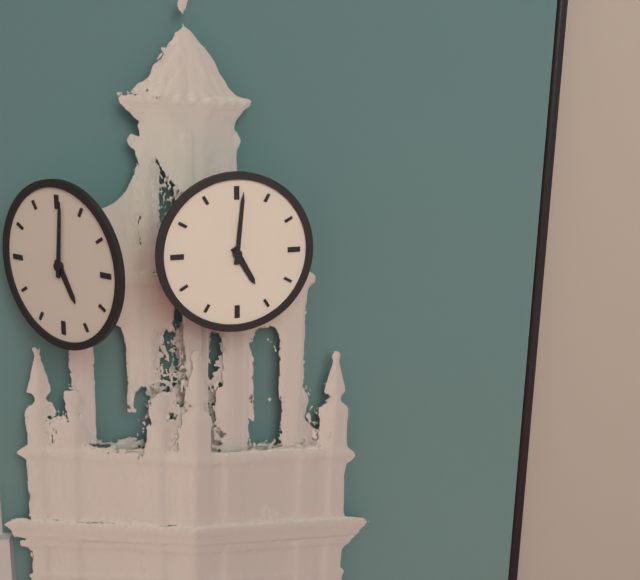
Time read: 5h01
